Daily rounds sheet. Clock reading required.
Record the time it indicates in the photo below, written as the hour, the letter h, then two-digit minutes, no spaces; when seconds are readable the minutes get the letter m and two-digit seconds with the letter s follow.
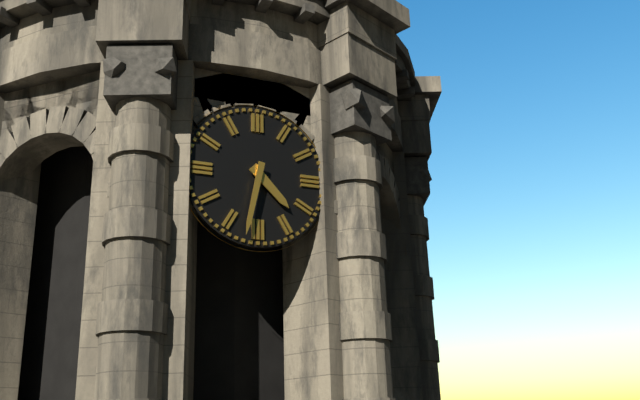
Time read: 4h32
